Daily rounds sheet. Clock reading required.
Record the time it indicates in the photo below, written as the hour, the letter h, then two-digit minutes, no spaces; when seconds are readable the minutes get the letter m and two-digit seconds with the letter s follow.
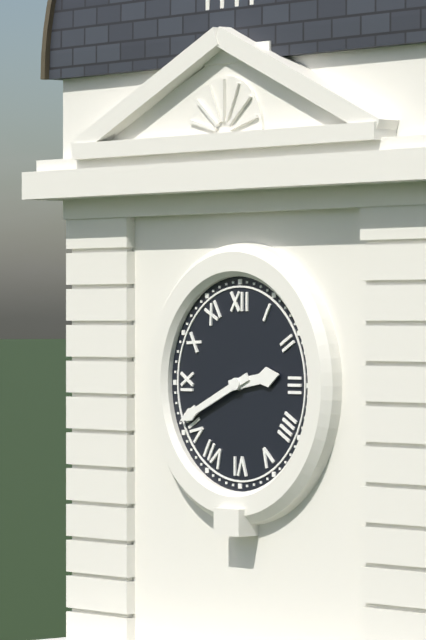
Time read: 2h41
